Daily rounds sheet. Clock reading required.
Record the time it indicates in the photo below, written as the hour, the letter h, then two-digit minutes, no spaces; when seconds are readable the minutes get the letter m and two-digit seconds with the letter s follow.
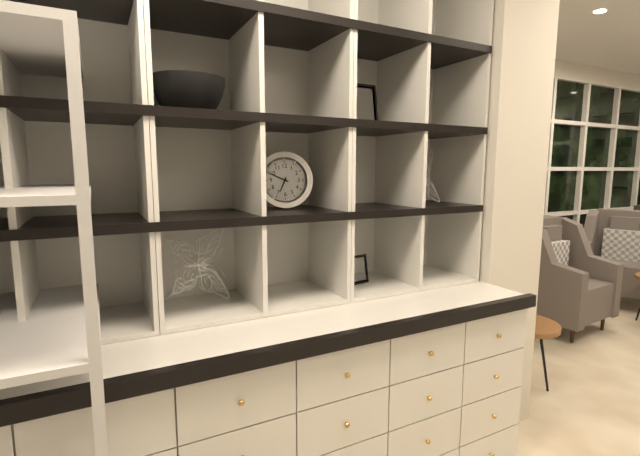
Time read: 6h49
